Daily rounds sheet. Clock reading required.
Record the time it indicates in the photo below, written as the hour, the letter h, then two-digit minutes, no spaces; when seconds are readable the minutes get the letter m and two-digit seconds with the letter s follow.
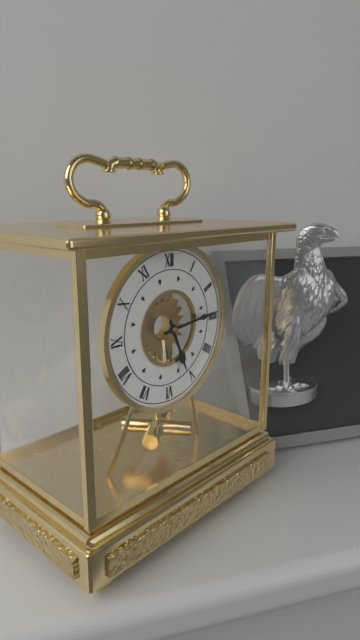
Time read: 5h14
